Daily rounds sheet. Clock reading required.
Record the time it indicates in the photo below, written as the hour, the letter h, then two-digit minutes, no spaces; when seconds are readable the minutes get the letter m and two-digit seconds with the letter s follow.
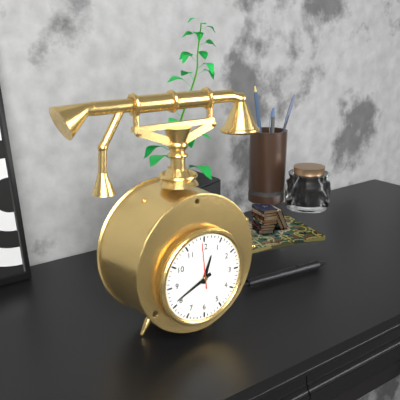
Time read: 12h41
